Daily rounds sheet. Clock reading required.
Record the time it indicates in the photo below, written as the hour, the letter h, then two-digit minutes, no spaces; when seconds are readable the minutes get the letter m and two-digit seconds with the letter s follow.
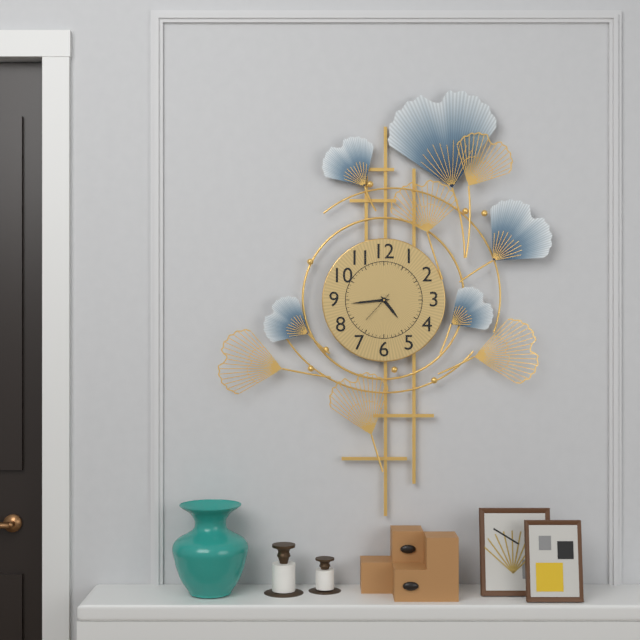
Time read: 4h44
